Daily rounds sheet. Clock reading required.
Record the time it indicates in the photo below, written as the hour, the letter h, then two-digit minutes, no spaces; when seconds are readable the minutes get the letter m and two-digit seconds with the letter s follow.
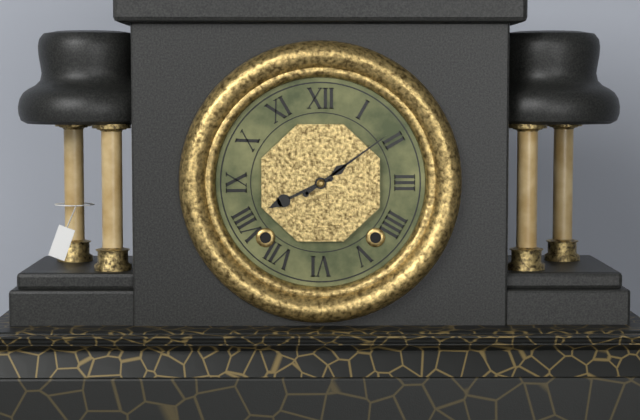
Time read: 8h09
